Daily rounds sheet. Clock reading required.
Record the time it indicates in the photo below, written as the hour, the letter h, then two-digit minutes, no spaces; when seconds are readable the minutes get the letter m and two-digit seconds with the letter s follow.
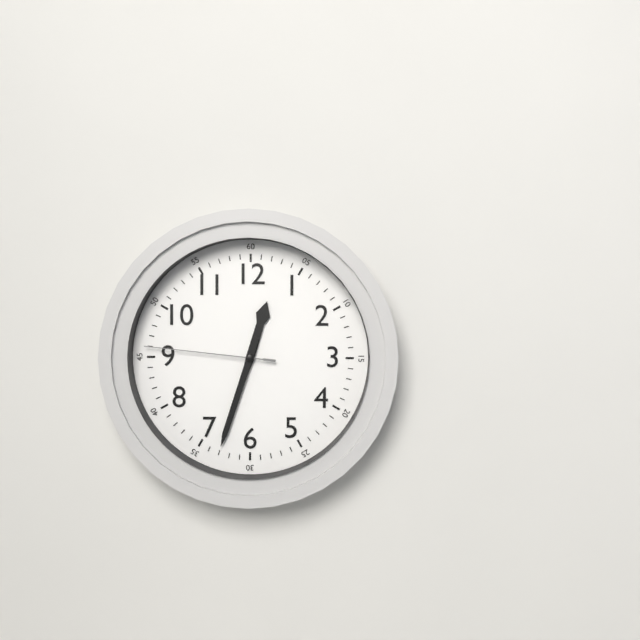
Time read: 12h33m46s
